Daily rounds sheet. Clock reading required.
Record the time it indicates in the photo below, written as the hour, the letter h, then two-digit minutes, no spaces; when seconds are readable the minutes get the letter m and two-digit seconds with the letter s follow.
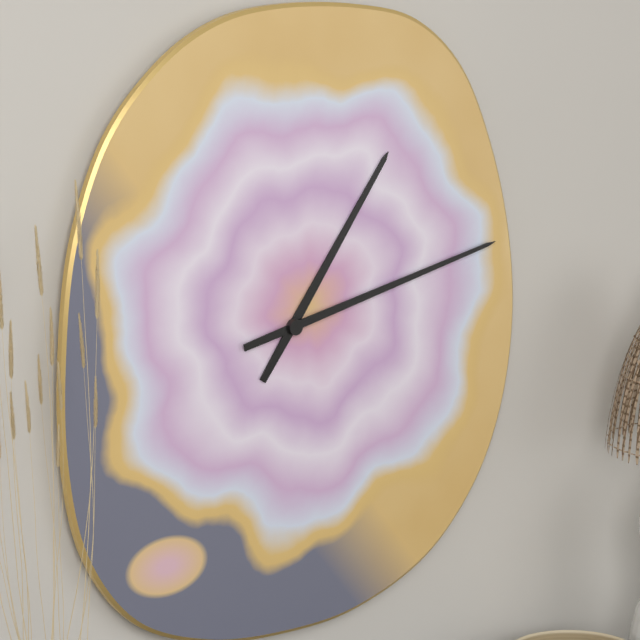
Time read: 1h13
